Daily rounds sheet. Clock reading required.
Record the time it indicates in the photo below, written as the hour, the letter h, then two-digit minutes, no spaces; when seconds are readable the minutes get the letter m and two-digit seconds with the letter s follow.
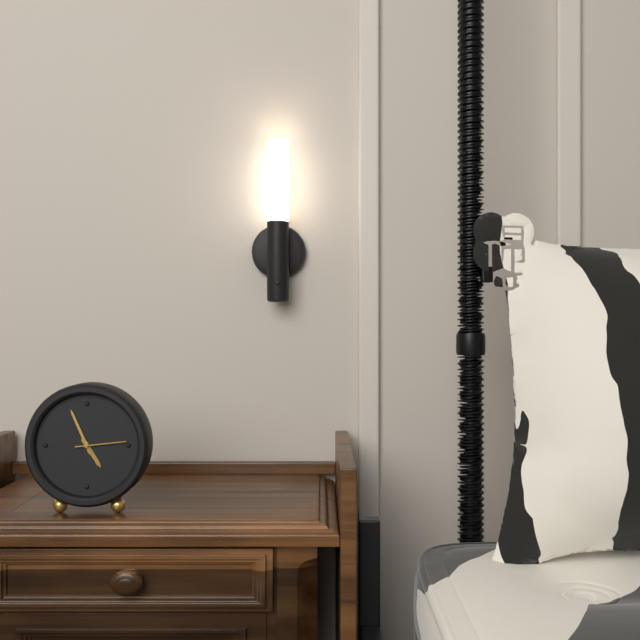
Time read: 4h56m14s
